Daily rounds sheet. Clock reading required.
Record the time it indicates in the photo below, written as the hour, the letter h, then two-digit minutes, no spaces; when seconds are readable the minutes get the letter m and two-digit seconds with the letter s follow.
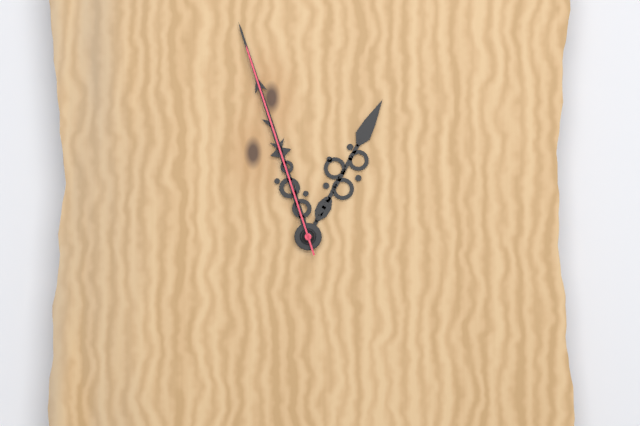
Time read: 12h57m57s
